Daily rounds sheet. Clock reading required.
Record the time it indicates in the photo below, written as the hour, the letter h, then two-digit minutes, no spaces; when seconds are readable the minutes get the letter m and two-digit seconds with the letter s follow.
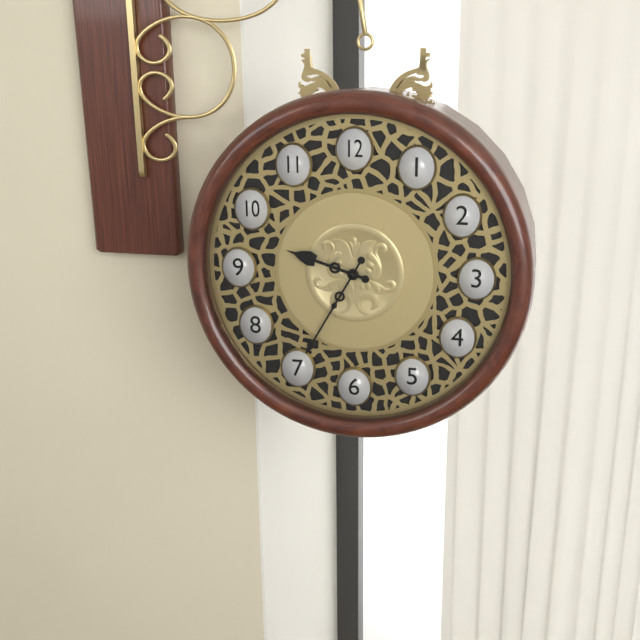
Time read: 9h35
